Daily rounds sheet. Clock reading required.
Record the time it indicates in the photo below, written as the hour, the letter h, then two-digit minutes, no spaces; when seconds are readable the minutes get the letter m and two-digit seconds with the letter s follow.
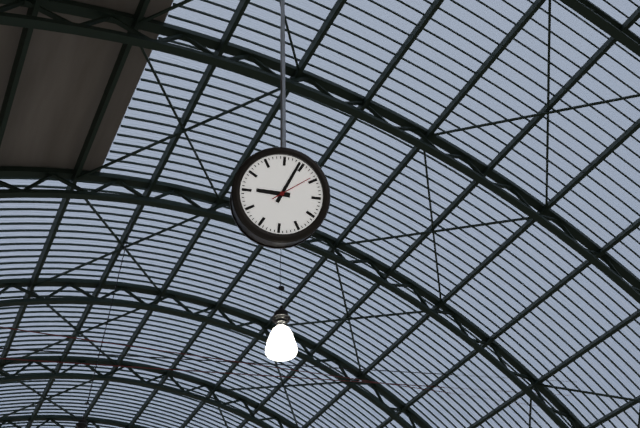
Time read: 9h04
